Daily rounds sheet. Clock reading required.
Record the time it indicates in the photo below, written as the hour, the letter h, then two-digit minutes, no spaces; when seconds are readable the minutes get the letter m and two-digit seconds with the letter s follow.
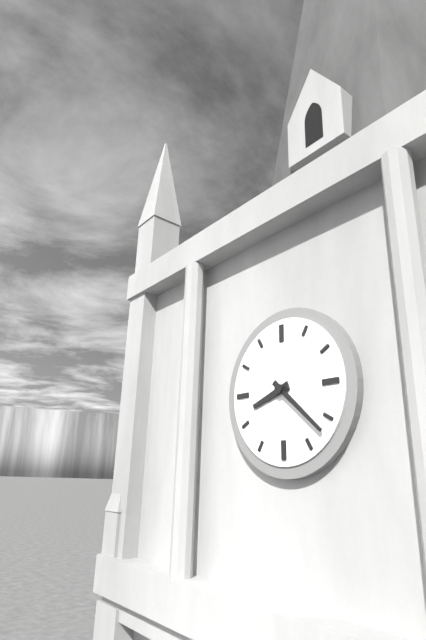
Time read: 8h22
